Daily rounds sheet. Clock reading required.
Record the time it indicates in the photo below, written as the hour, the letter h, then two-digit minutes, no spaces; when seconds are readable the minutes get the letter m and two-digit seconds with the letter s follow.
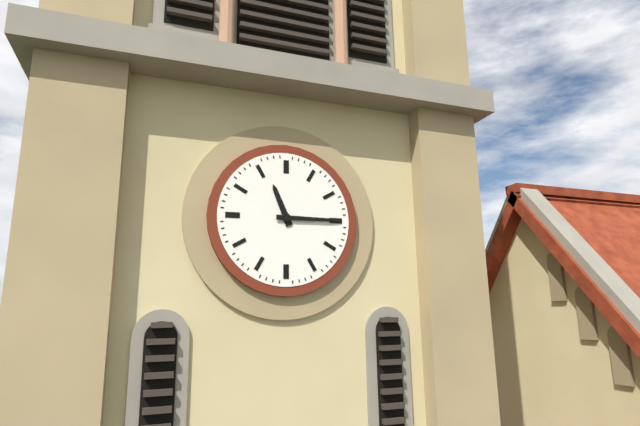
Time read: 11h15
